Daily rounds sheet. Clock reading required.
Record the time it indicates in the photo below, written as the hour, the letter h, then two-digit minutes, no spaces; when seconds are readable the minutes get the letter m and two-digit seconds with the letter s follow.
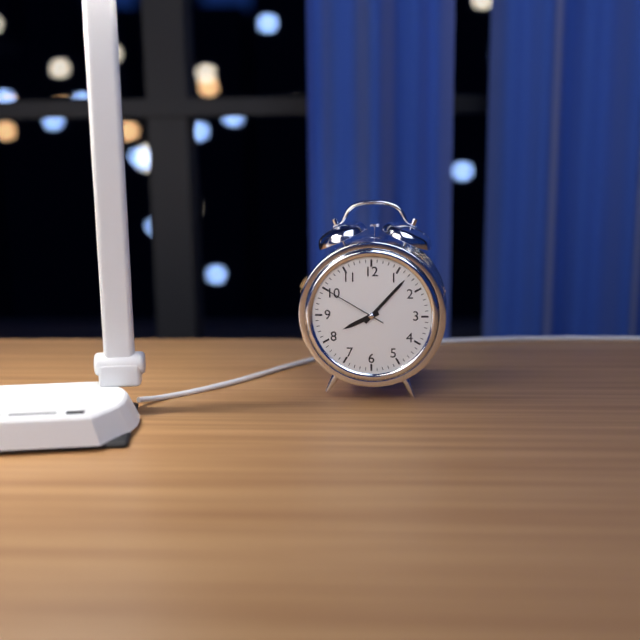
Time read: 8h07m50s
